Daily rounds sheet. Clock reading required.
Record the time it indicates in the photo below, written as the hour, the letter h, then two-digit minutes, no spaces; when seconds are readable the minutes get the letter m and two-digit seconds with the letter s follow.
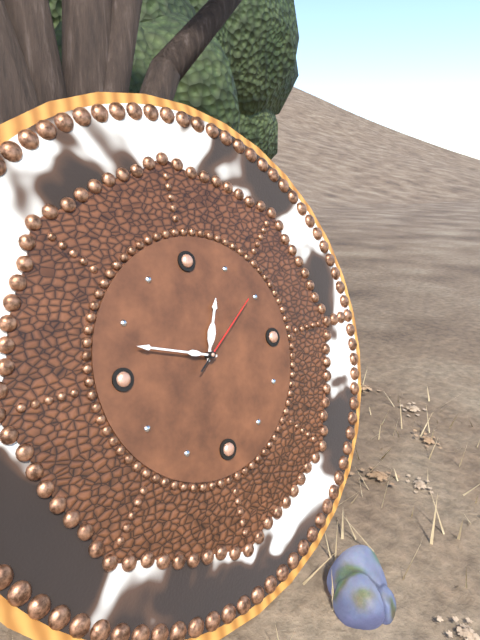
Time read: 12h48m09s
